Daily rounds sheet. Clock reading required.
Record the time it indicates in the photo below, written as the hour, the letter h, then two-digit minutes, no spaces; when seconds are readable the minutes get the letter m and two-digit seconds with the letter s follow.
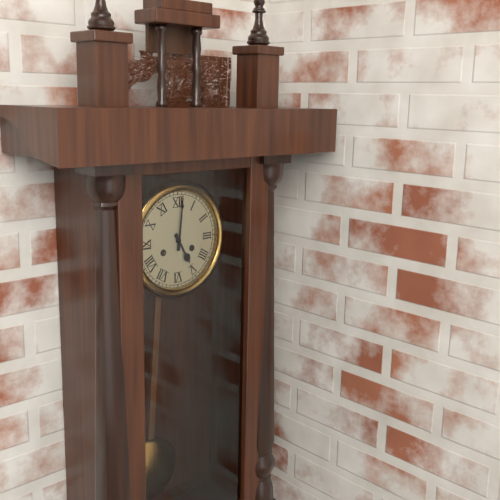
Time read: 5h01
